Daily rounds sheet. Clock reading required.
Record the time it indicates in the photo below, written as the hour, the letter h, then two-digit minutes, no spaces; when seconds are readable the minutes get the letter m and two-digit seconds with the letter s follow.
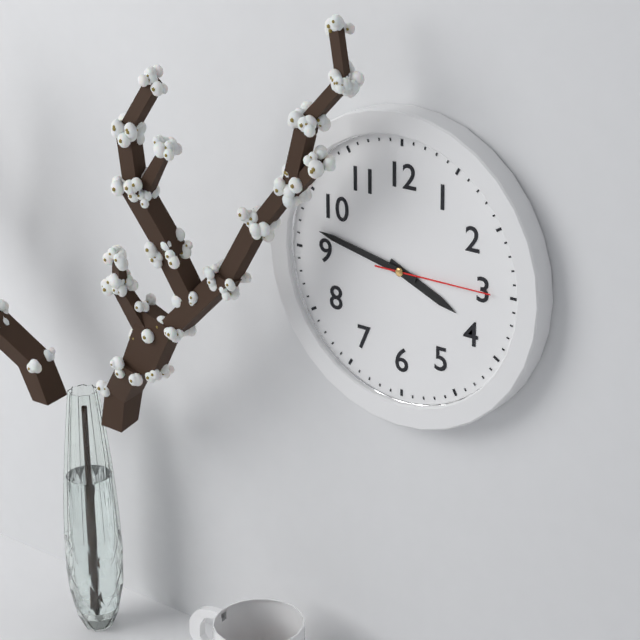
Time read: 3h47m15s
